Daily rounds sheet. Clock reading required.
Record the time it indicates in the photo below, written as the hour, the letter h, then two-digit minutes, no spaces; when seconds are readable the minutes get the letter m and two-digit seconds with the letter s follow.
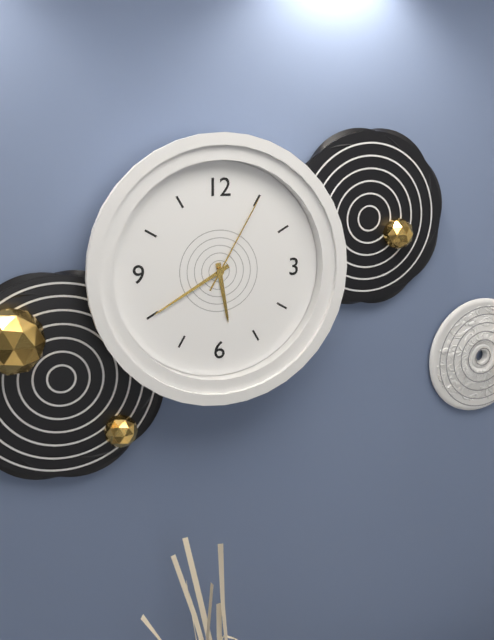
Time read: 5h40m05s
